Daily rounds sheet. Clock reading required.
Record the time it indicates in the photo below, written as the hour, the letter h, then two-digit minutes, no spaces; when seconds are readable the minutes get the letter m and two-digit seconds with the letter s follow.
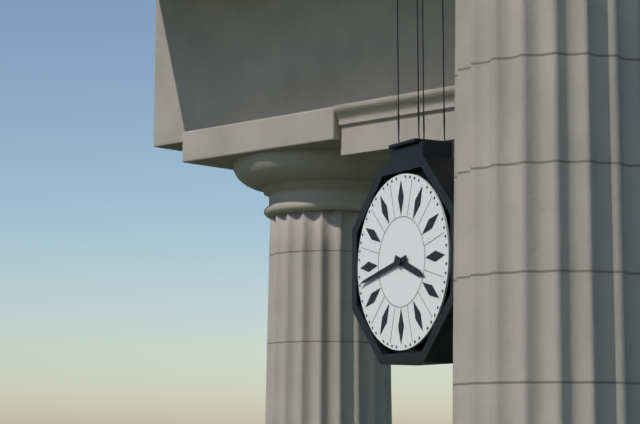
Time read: 3h43
